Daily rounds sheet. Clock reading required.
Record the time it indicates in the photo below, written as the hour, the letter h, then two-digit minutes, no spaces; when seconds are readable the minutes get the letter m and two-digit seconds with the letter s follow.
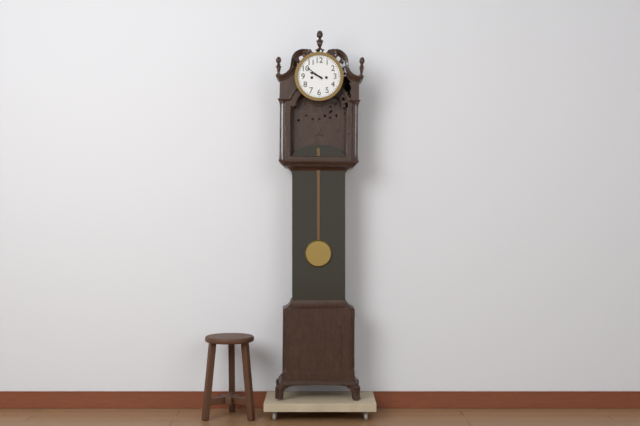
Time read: 9h51
